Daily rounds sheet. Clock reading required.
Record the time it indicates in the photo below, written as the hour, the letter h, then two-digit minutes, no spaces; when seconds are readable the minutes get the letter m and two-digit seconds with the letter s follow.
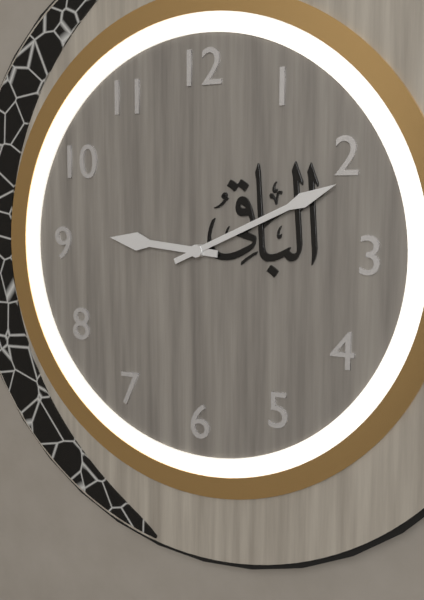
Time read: 9h11
